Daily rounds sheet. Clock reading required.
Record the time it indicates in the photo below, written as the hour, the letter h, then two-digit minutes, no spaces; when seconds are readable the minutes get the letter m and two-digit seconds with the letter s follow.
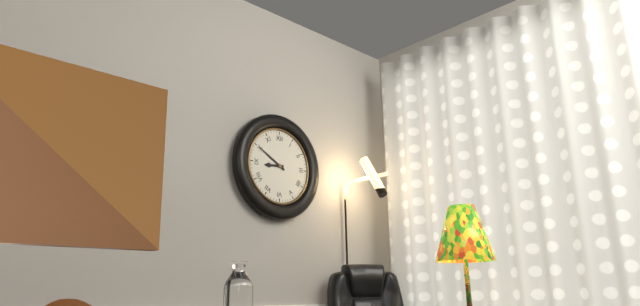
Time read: 8h50
